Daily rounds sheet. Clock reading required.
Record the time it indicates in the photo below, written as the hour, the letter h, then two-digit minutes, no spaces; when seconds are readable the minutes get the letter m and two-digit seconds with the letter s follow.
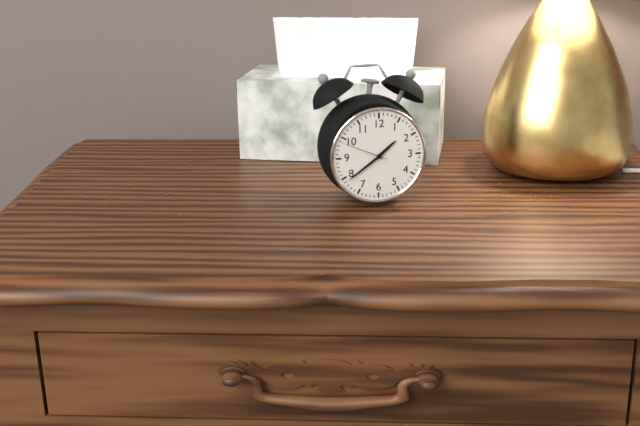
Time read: 1h39
